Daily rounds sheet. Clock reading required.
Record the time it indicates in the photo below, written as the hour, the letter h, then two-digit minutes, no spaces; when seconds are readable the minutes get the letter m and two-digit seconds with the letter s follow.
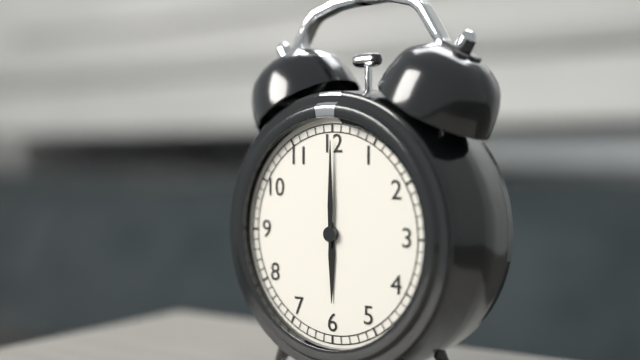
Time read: 6h00
